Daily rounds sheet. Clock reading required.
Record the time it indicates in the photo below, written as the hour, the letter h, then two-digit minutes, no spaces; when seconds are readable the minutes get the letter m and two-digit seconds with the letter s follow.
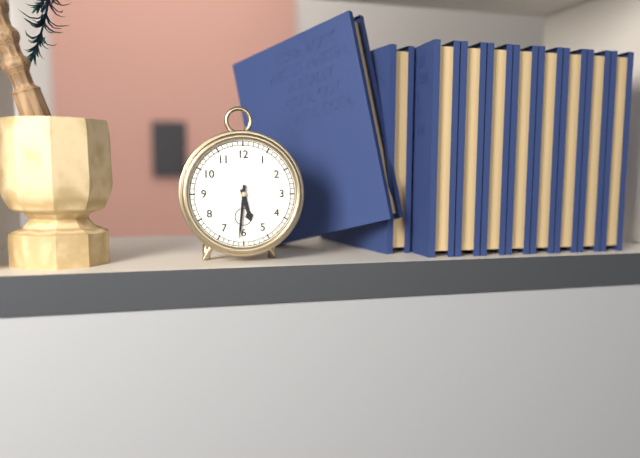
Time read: 5h31
